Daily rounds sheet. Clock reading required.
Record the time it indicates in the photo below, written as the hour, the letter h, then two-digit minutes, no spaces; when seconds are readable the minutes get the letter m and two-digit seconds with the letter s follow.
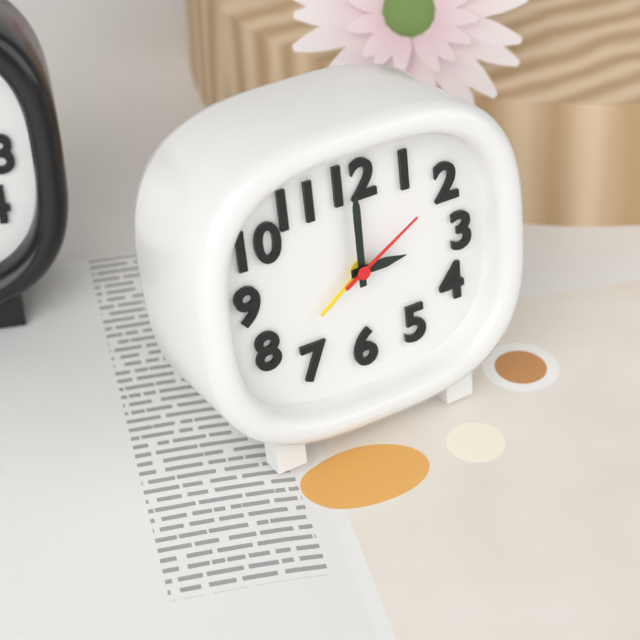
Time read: 3h00m10s
